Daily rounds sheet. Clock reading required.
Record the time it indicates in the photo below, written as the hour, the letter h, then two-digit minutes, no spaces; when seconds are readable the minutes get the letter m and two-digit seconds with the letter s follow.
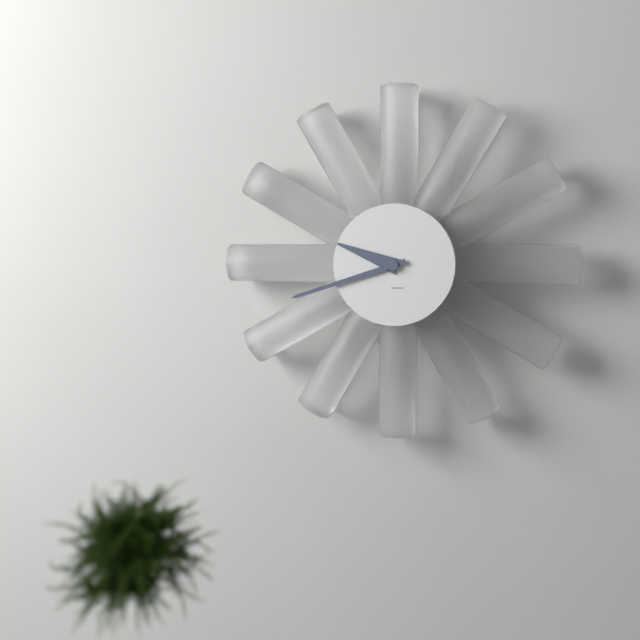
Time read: 9h42
